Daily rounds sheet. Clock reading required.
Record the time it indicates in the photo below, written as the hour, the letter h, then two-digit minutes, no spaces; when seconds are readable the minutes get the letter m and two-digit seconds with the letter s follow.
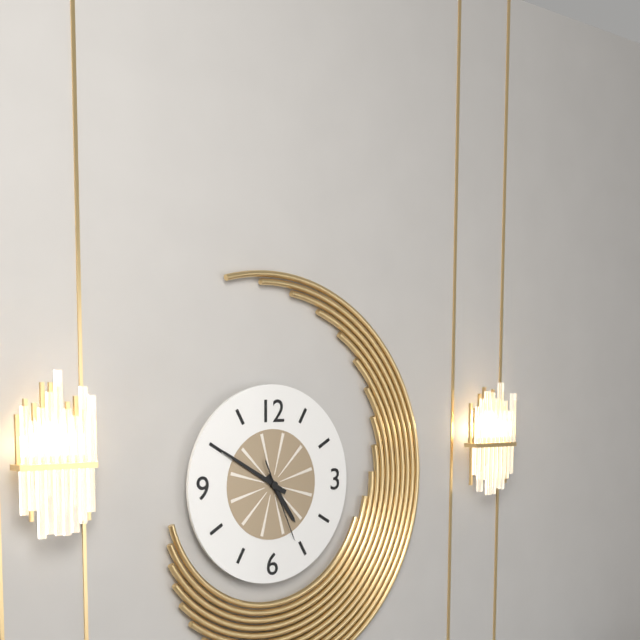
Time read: 4h50m26s
